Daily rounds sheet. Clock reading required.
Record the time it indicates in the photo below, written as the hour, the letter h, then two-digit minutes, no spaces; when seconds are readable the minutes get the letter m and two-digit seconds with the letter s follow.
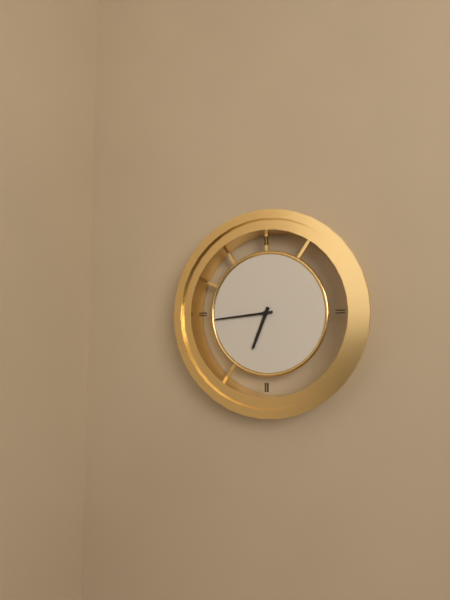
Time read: 6h44
